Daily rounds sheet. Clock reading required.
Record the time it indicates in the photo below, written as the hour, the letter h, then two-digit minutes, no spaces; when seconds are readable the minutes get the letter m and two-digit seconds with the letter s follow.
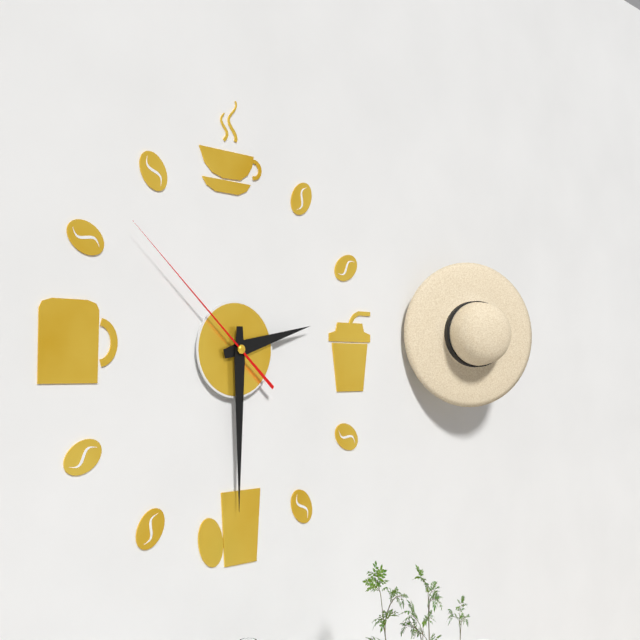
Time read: 2h30m52s
